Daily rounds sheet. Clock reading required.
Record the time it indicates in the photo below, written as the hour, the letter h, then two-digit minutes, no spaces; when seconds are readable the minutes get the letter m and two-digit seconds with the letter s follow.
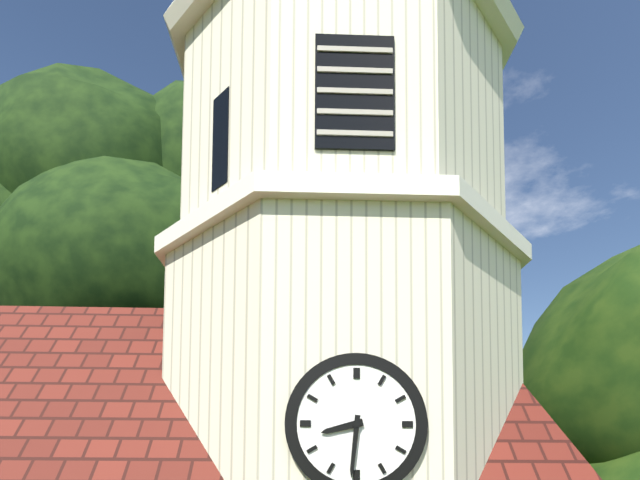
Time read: 8h31
